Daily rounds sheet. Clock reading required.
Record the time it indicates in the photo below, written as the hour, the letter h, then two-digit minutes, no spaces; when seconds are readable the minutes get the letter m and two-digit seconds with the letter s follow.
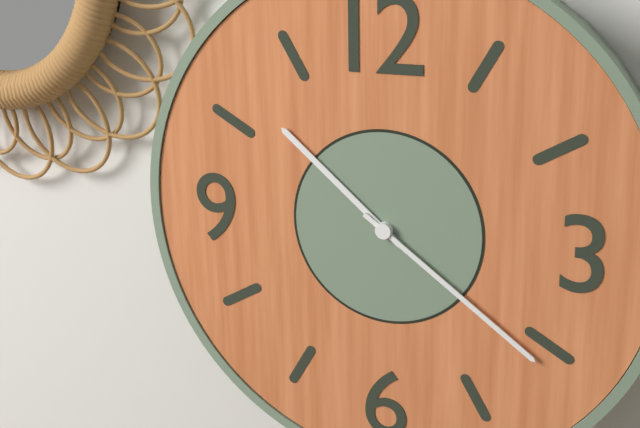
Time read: 10h21
